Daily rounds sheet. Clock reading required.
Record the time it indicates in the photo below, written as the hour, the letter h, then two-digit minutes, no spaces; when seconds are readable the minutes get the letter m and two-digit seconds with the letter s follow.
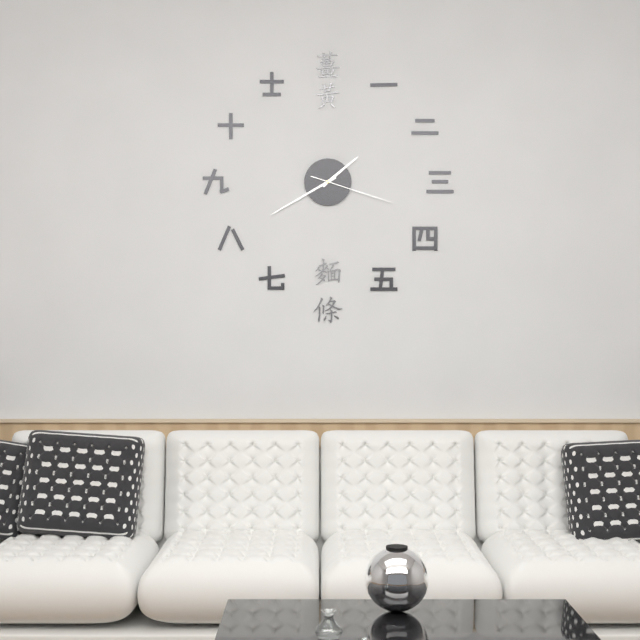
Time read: 1h40m18s
